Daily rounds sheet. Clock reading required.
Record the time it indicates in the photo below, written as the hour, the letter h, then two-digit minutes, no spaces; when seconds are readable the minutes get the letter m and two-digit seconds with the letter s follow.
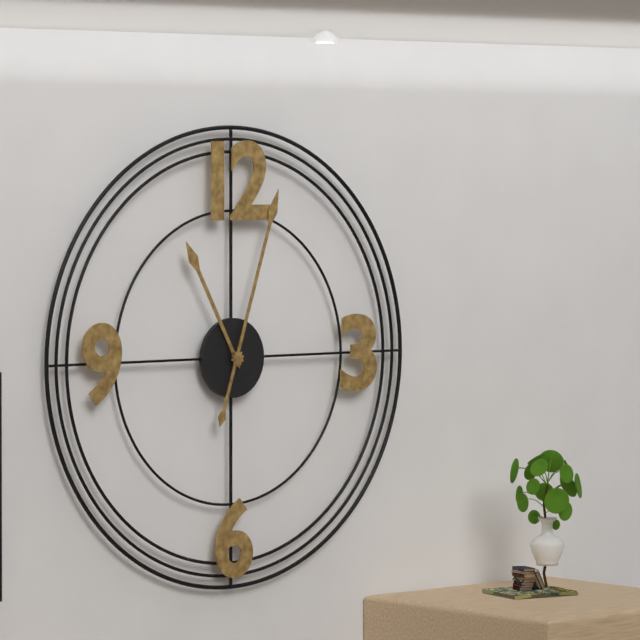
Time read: 11h03
